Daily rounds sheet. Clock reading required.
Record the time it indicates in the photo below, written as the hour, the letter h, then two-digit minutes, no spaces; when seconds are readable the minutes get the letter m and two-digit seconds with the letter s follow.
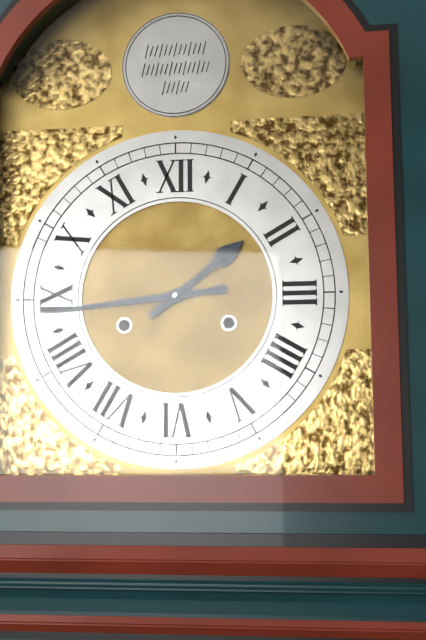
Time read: 1h44
